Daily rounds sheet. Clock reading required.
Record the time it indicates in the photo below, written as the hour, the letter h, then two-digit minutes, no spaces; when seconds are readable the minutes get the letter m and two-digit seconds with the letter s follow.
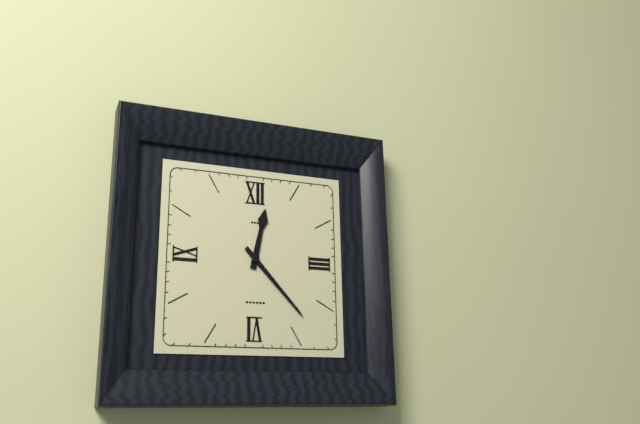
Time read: 12h23
